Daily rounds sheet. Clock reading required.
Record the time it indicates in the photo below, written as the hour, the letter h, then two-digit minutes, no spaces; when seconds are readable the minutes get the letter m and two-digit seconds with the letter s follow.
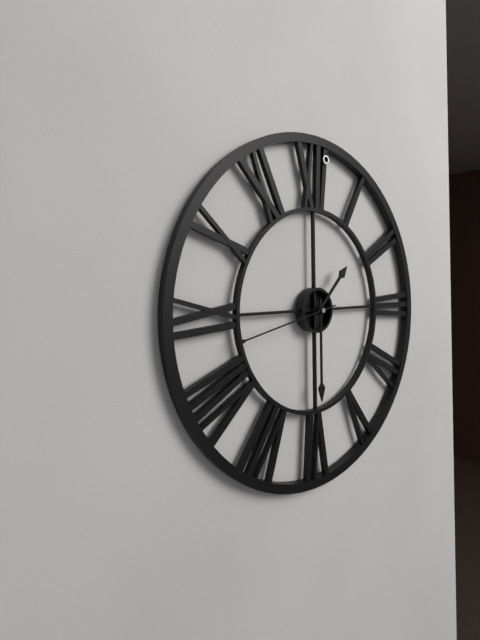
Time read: 1h30m43s
